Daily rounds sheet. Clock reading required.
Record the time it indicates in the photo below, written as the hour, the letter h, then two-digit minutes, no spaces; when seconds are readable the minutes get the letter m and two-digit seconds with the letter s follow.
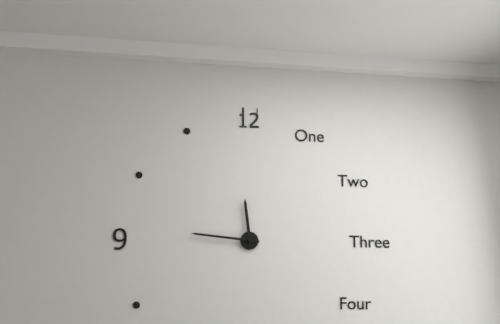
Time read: 11h46
